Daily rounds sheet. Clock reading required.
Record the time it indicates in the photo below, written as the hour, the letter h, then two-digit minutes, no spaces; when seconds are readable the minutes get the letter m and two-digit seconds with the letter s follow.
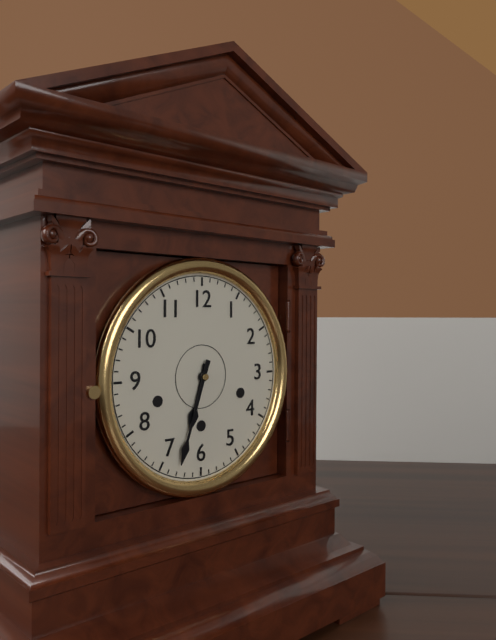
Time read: 6h33
